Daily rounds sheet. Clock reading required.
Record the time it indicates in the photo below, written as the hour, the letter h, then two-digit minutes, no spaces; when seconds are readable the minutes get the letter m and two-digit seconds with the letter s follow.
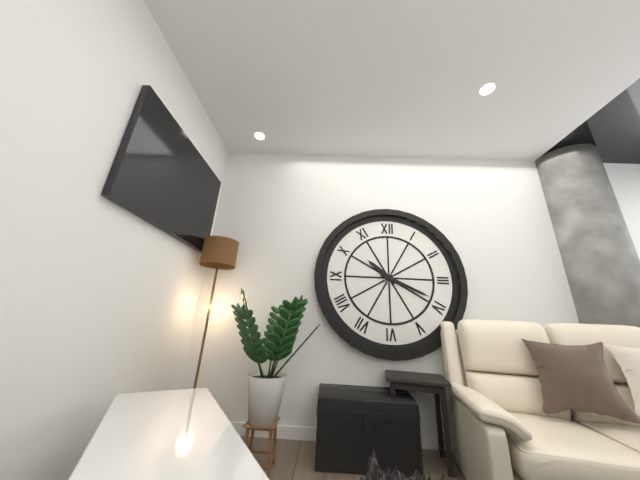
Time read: 10h19
